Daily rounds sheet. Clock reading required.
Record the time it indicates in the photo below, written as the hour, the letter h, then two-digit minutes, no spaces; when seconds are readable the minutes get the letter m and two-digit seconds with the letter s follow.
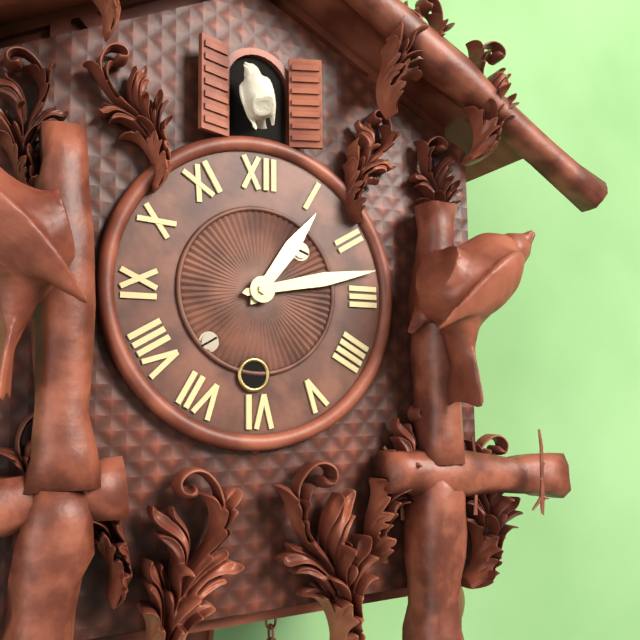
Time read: 1h13
